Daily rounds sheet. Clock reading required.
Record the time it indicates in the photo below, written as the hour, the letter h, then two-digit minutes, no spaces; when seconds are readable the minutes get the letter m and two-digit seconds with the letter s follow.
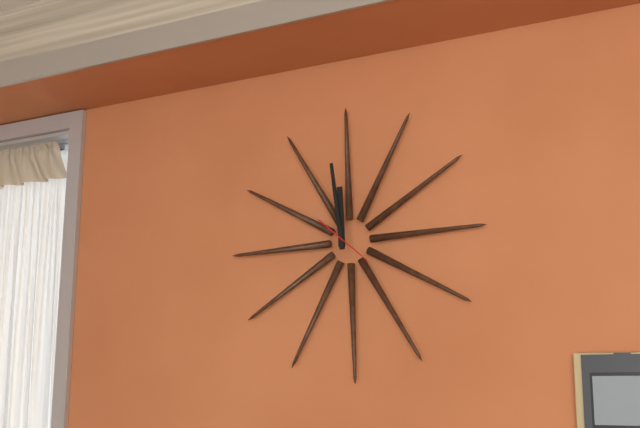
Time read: 11h59
